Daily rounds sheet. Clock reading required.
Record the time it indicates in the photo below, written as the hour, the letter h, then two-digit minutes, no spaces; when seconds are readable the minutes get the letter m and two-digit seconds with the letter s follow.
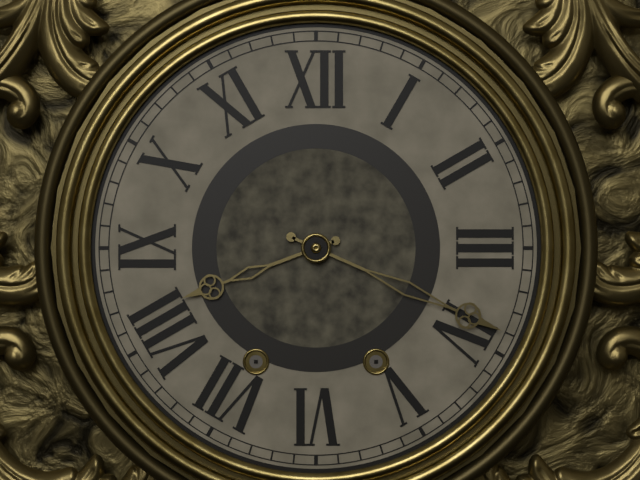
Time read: 8h19
